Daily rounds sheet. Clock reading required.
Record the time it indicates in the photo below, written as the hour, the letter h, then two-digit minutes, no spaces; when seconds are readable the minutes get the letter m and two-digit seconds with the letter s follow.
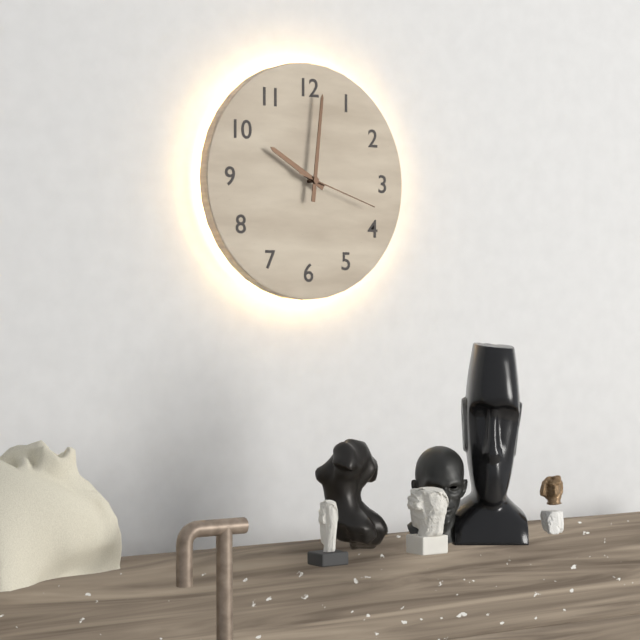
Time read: 10h01m18s
